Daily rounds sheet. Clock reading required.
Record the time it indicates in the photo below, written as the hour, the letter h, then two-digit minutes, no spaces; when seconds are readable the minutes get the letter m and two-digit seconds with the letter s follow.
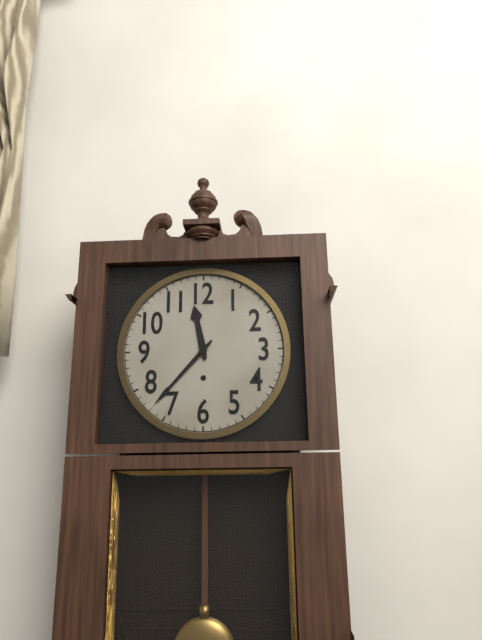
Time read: 11h37
